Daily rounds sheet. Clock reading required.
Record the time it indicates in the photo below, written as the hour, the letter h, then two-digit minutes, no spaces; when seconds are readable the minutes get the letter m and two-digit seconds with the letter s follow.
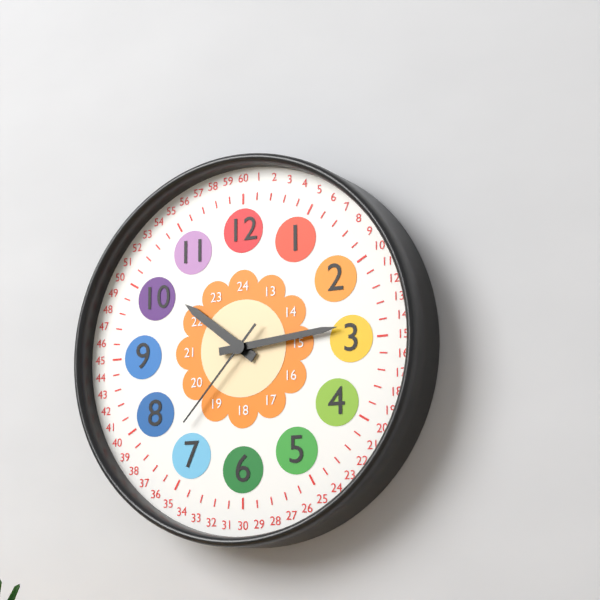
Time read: 10h14m37s
